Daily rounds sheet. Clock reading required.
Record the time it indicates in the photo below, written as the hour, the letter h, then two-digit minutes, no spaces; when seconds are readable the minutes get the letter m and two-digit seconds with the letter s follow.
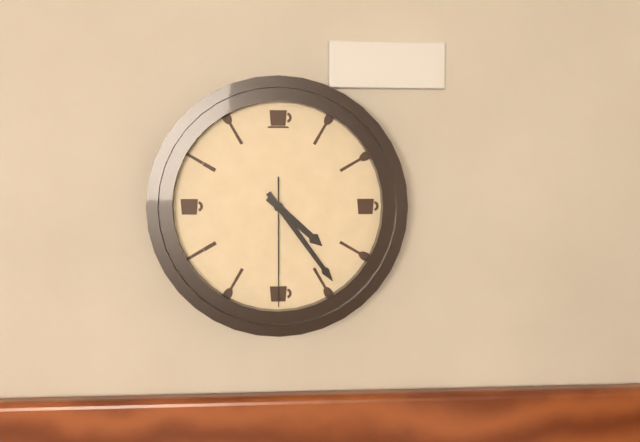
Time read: 4h24m30s
